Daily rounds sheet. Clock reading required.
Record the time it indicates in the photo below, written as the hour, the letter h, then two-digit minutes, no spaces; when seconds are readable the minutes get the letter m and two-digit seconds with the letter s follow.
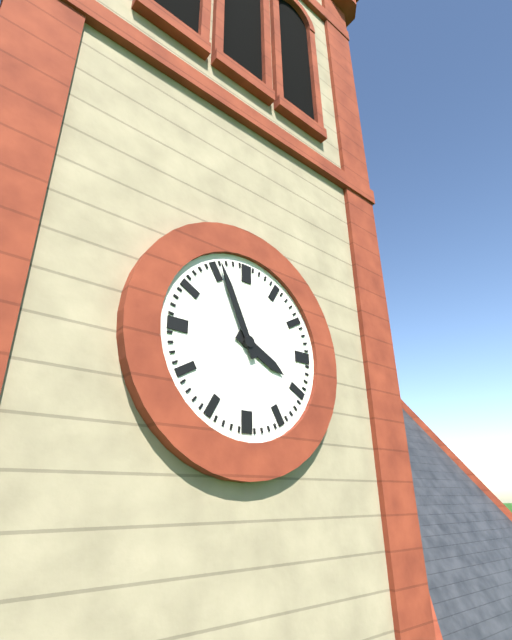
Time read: 3h56
